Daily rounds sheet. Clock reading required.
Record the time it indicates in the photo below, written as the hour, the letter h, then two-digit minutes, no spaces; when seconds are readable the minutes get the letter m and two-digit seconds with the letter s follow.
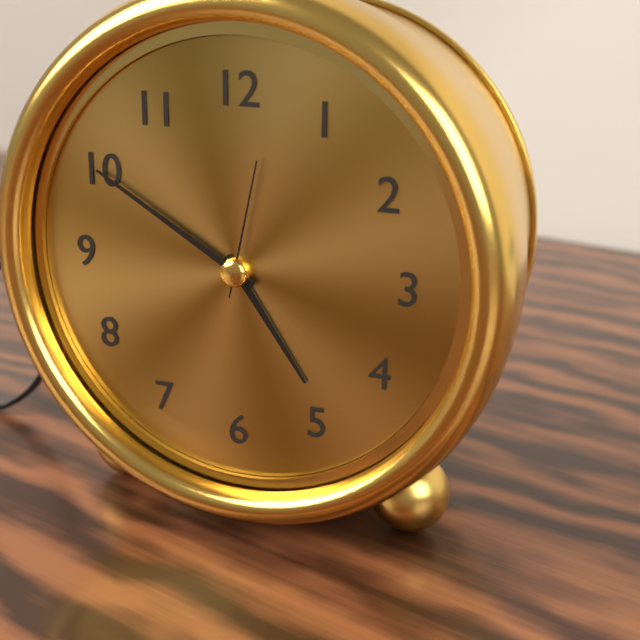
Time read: 4h50m02s
